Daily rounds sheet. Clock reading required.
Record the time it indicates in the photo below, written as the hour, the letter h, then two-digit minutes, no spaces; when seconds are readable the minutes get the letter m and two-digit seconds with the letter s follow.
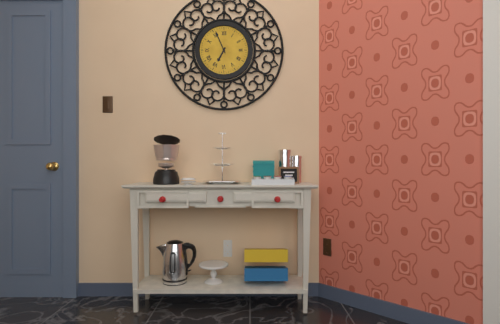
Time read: 6h56
